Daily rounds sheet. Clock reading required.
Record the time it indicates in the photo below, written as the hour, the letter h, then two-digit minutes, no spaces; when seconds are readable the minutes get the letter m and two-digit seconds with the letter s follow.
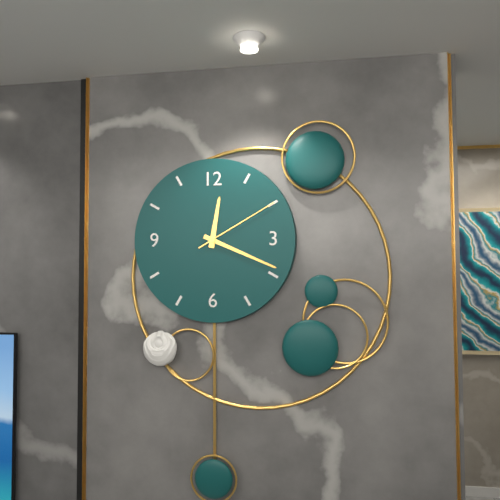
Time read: 12h19m10s
